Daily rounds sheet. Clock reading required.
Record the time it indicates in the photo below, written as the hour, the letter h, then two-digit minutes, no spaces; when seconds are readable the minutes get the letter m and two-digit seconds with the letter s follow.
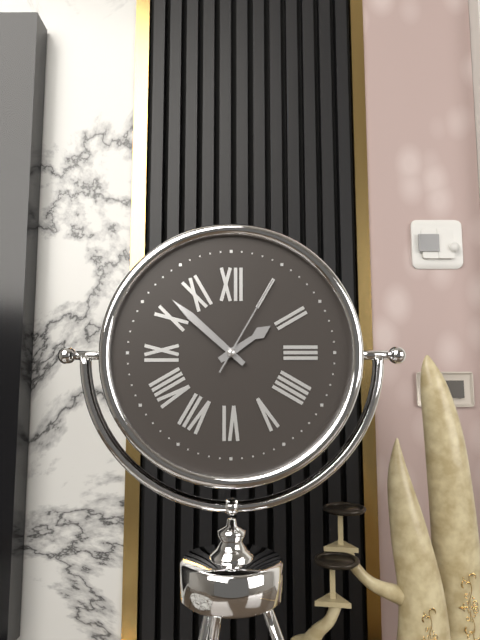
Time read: 1h52m05s
